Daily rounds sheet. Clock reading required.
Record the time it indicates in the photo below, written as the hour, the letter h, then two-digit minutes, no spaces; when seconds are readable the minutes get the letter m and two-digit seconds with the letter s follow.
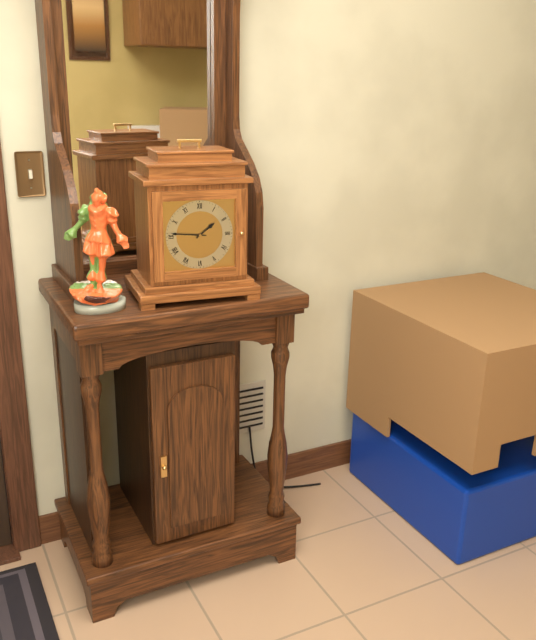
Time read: 1h46
